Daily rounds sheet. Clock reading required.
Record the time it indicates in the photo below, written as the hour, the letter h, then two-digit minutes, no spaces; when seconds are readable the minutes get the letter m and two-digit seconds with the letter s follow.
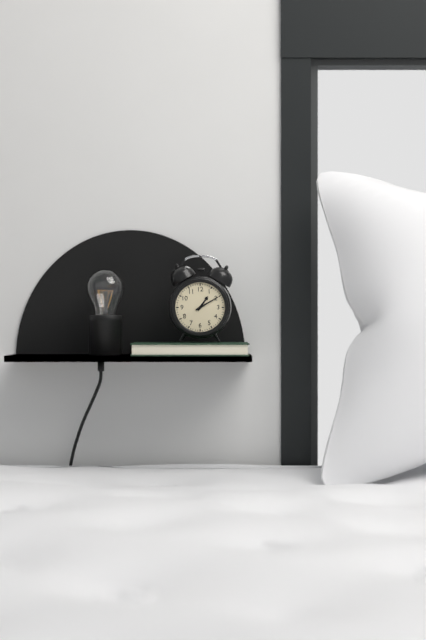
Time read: 1h10
